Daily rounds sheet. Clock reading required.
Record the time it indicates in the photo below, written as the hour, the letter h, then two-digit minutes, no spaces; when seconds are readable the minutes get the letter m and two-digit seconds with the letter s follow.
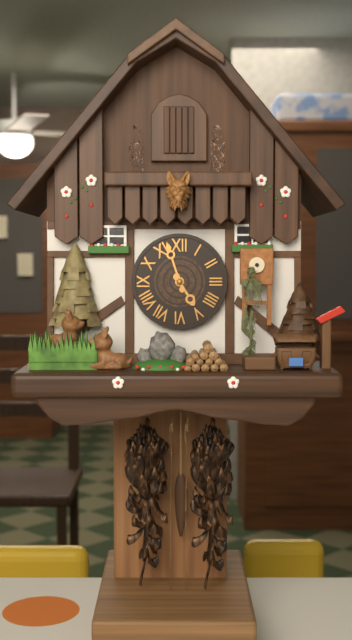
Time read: 4h57
